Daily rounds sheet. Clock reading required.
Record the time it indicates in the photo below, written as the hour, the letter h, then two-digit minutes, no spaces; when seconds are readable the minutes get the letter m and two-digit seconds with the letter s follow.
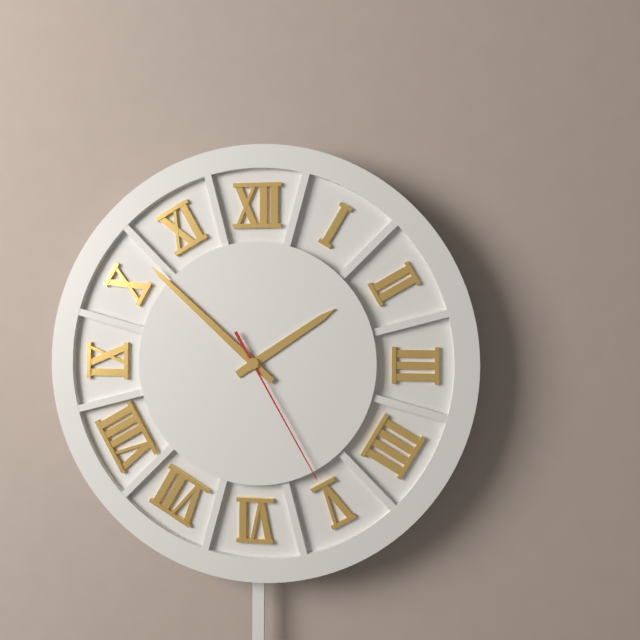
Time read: 1h52m25s
